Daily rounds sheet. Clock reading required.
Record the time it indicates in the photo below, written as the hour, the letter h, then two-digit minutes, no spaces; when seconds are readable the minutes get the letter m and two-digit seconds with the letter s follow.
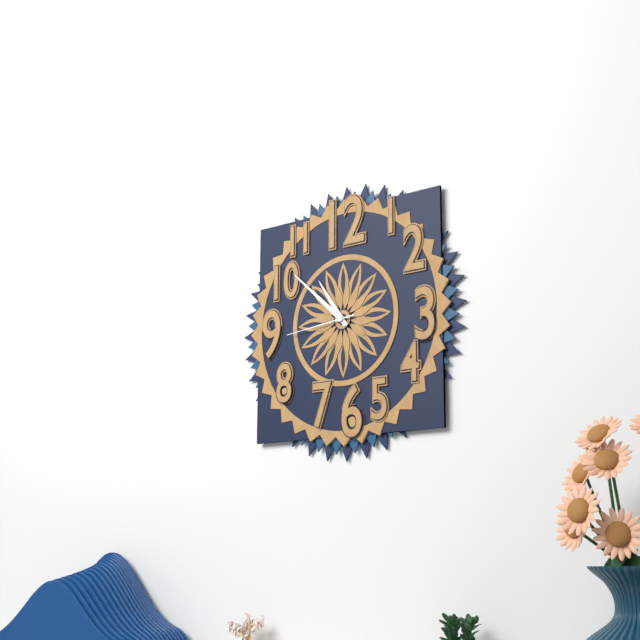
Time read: 10h52m44s
